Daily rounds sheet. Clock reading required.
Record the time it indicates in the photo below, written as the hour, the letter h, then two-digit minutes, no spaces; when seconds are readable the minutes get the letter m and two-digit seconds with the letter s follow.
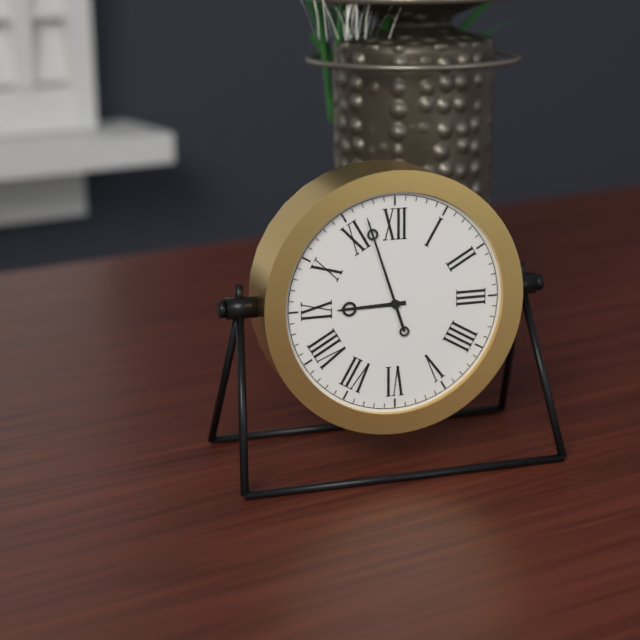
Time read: 8h57
